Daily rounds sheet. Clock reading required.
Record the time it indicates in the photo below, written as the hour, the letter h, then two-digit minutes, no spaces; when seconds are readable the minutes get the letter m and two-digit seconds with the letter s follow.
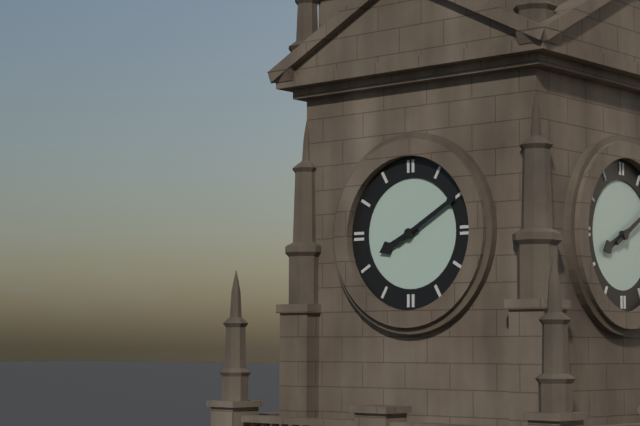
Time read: 8h10
